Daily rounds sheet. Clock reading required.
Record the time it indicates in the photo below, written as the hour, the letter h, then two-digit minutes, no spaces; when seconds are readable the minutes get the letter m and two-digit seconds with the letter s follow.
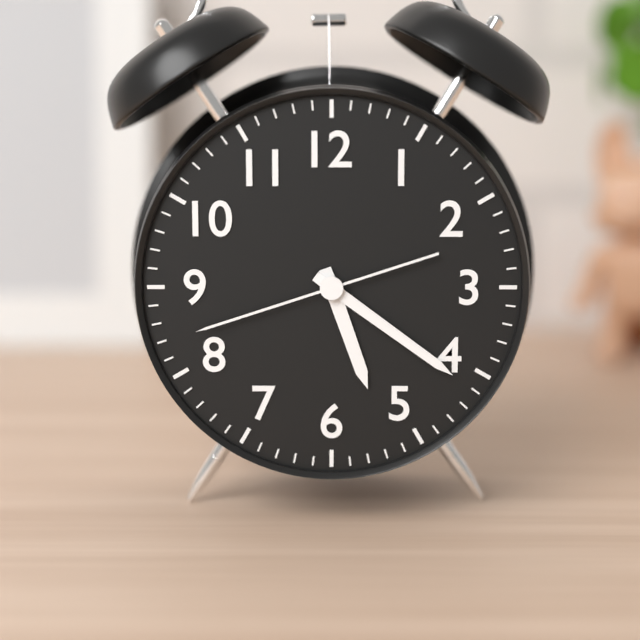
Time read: 5h21m42s
